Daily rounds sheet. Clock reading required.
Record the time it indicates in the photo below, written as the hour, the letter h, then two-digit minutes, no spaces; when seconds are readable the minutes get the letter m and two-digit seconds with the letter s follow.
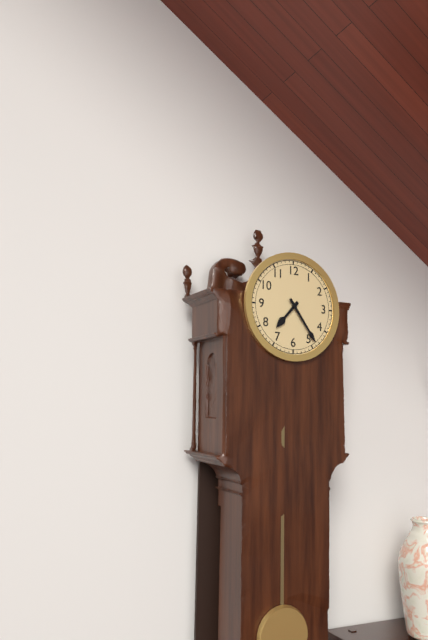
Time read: 7h24
